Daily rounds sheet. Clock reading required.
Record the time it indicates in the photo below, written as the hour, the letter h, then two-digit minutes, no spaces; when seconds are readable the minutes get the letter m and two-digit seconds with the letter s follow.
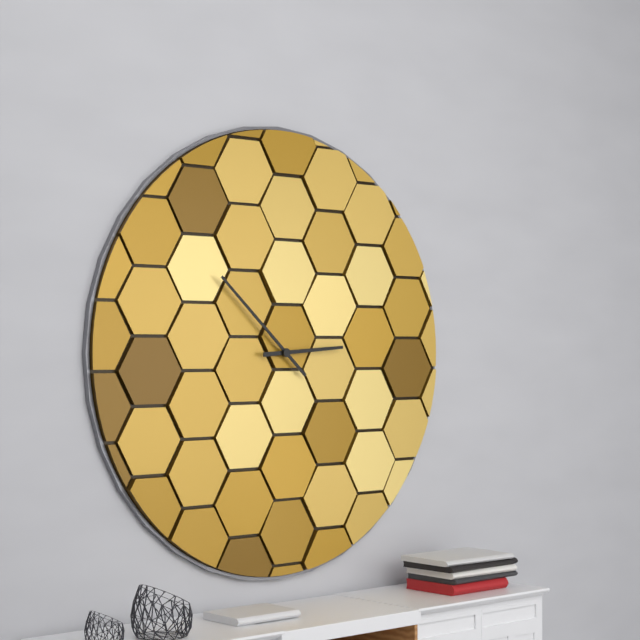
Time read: 2h52
